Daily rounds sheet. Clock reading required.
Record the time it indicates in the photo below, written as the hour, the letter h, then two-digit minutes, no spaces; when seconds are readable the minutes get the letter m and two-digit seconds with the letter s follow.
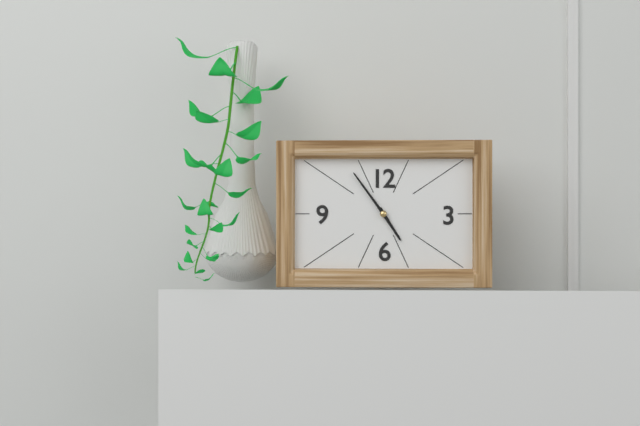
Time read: 4h54
